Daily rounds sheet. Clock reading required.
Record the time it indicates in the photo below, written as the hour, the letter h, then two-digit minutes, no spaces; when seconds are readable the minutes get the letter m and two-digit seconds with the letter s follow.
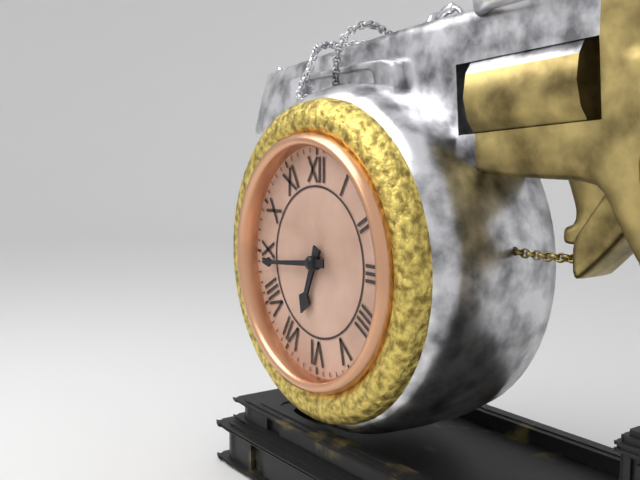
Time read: 6h44
